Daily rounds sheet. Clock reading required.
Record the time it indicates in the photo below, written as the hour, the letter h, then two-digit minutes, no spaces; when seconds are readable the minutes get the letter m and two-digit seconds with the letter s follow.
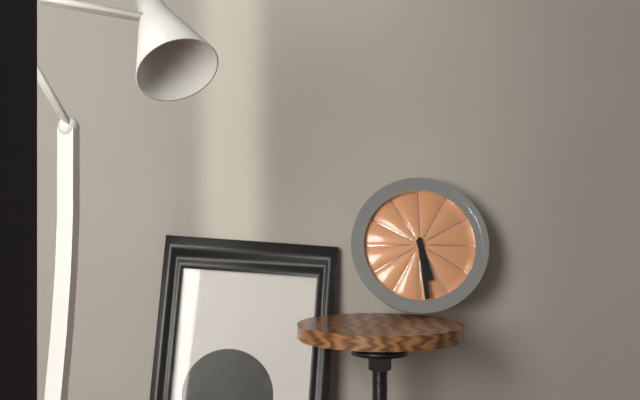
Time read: 5h29
